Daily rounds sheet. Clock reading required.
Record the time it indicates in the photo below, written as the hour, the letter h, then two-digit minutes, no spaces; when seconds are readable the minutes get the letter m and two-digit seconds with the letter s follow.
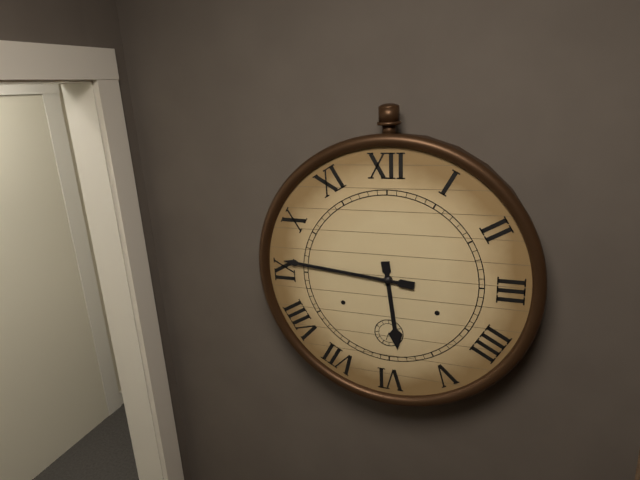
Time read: 5h46
